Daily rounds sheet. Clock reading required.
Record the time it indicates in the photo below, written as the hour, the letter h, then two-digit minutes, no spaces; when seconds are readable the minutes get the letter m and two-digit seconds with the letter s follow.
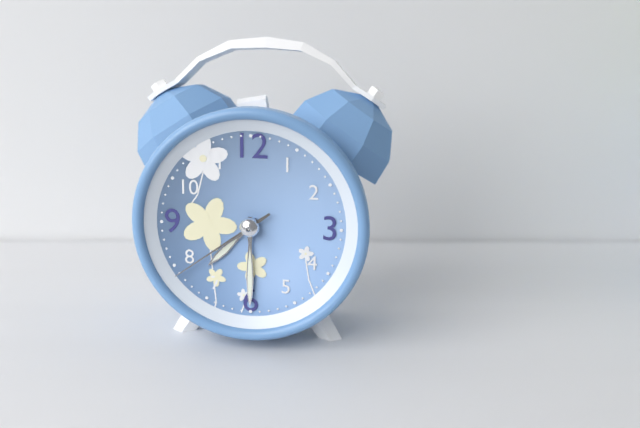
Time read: 7h30m39s
